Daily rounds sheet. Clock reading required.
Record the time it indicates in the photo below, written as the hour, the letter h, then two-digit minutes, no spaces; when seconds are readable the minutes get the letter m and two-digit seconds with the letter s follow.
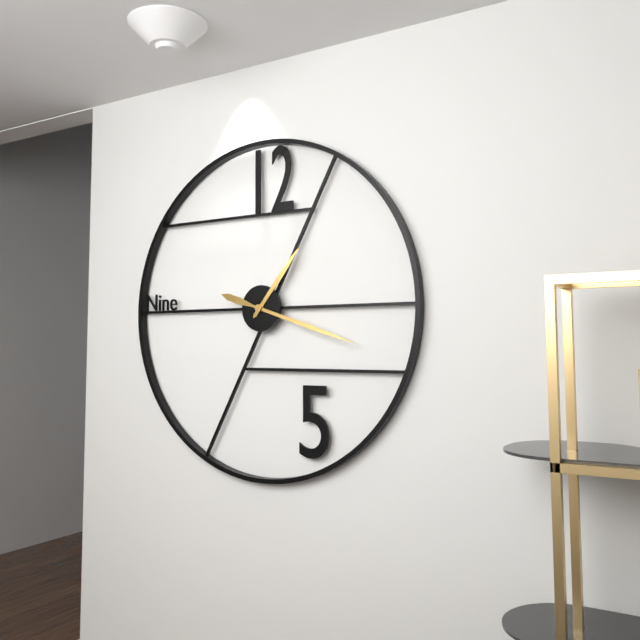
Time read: 1h18
